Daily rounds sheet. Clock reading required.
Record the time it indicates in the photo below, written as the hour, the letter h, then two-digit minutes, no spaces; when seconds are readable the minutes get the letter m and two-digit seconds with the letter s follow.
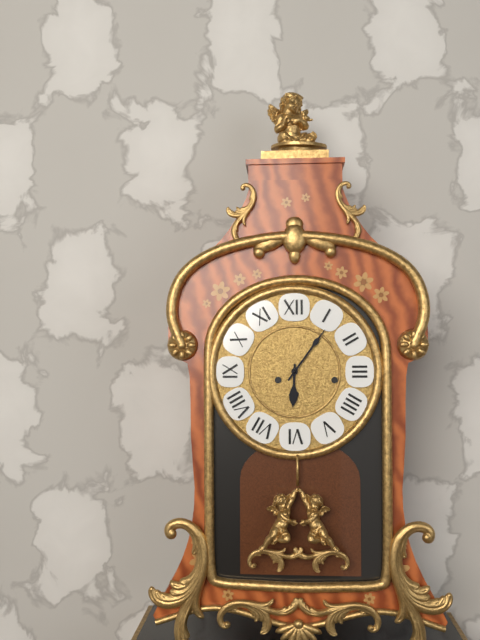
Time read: 6h06
